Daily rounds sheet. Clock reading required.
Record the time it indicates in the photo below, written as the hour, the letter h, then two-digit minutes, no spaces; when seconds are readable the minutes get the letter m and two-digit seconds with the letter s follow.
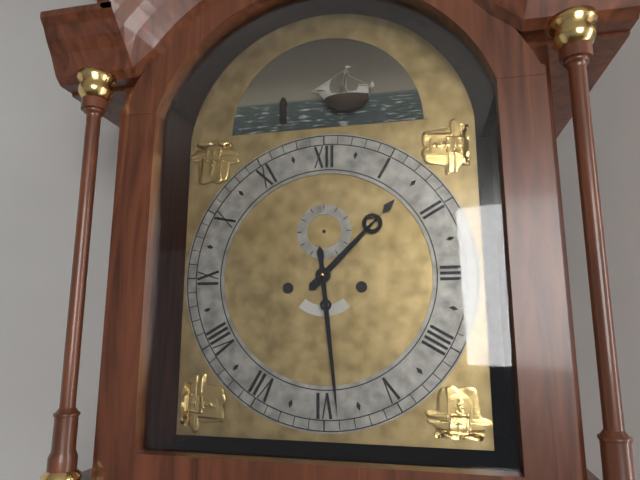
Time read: 1h29
